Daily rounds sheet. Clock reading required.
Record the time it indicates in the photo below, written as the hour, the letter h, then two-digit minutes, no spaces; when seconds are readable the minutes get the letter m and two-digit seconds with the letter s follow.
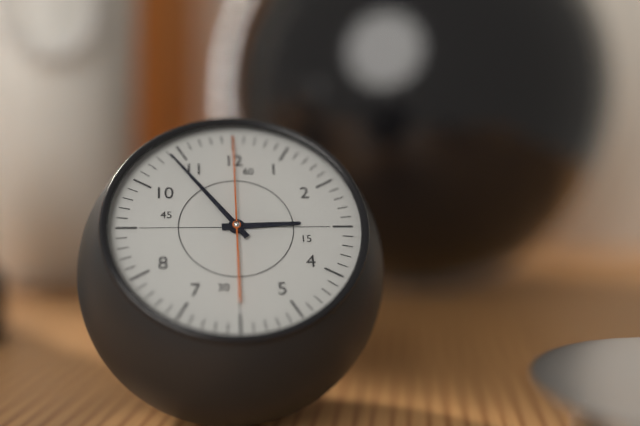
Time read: 2h54m00s
